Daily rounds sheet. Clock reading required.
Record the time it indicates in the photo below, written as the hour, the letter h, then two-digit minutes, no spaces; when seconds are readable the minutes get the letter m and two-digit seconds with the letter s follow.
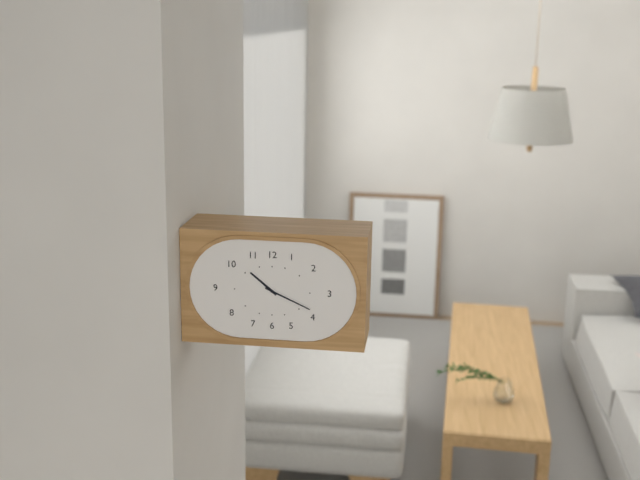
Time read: 10h19
